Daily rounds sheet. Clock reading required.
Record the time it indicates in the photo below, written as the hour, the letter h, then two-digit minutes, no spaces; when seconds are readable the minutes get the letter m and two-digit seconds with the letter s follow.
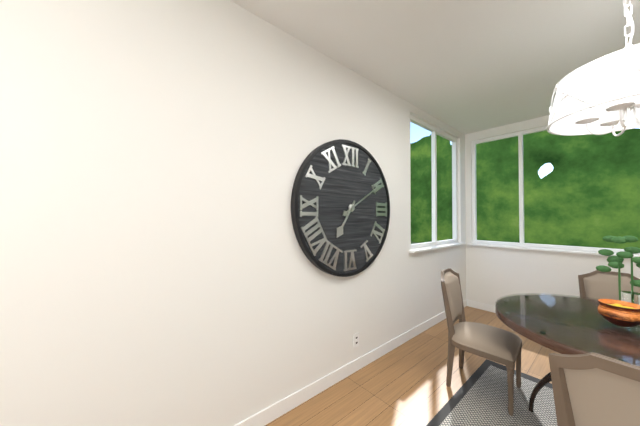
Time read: 7h10
